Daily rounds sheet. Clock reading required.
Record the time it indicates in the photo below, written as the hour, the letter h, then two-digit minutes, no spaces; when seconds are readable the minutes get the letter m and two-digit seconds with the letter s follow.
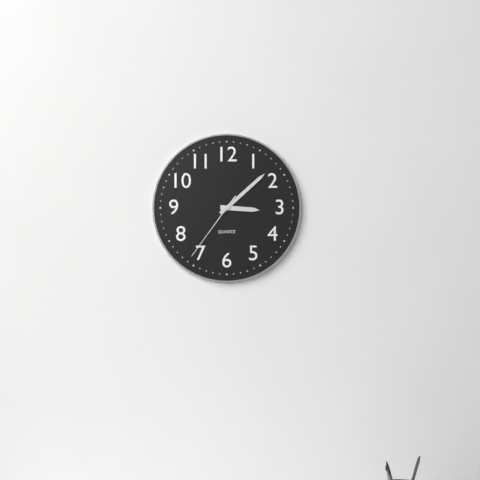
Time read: 3h08m36s
